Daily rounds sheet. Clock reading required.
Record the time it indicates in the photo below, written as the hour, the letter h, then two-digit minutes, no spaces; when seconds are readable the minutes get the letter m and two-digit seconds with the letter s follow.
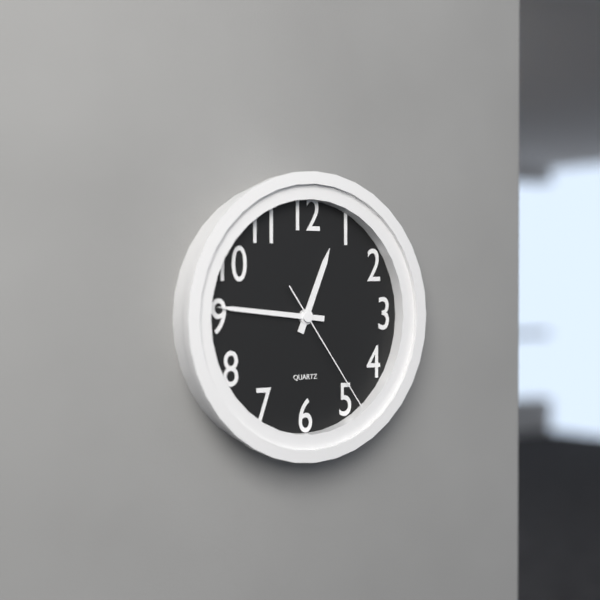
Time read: 12h46m24s
